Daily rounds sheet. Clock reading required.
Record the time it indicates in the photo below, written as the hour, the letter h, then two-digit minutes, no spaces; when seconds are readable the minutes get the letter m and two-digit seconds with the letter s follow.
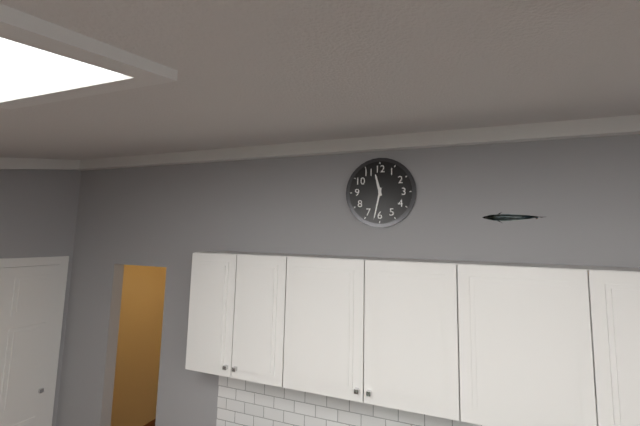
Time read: 11h32
